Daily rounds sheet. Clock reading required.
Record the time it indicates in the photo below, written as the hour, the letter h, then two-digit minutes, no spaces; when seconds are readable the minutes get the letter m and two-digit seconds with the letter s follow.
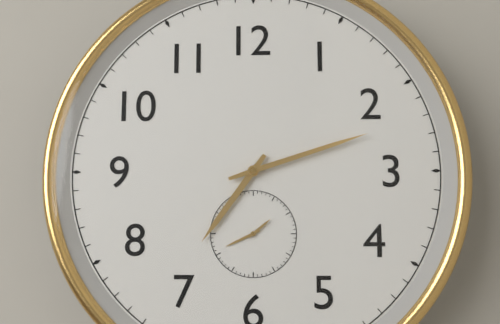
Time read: 7h12
